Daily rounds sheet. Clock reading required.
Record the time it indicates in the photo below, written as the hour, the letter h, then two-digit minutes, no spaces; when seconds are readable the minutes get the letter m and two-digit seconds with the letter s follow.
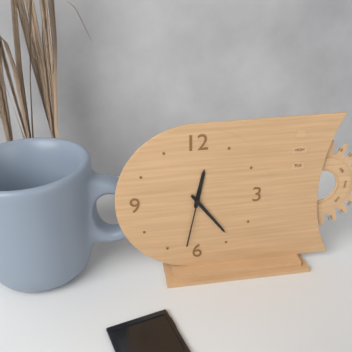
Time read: 12h24m32s
